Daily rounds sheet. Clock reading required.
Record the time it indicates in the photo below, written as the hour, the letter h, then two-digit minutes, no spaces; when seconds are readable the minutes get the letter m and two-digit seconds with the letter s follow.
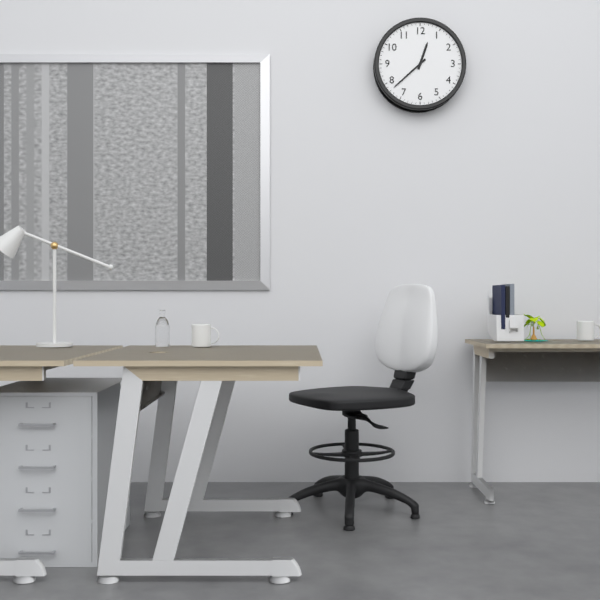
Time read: 12h38
